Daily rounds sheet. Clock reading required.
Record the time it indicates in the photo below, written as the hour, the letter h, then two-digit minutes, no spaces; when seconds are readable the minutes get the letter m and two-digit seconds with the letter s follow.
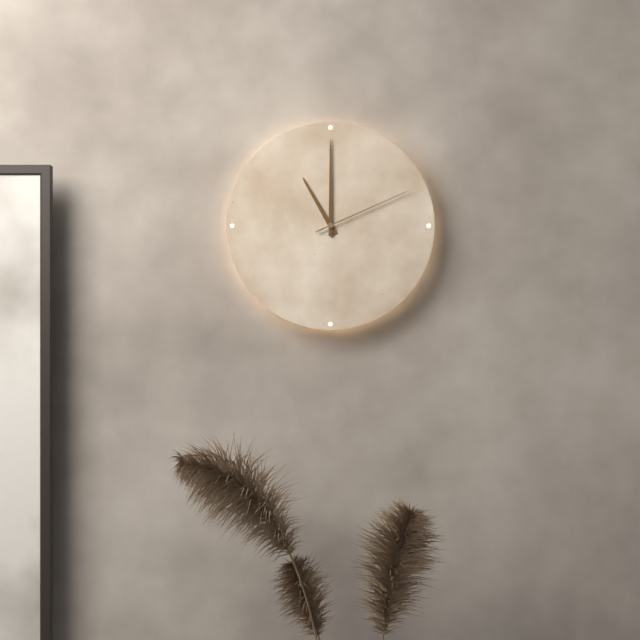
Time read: 11h00m11s
